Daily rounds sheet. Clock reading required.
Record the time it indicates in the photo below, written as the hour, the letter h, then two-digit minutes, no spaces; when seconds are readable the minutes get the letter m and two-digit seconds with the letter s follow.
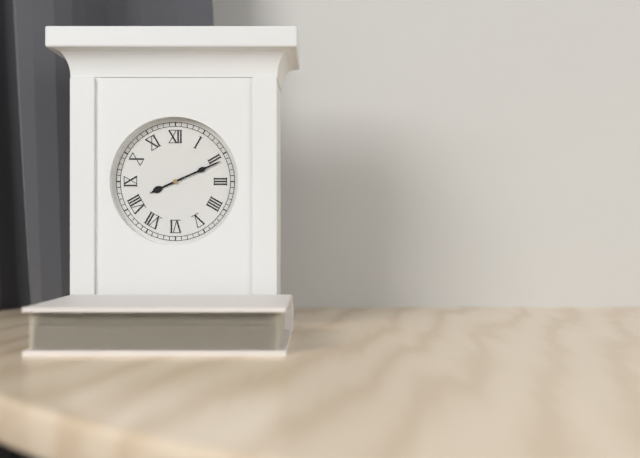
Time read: 8h11
